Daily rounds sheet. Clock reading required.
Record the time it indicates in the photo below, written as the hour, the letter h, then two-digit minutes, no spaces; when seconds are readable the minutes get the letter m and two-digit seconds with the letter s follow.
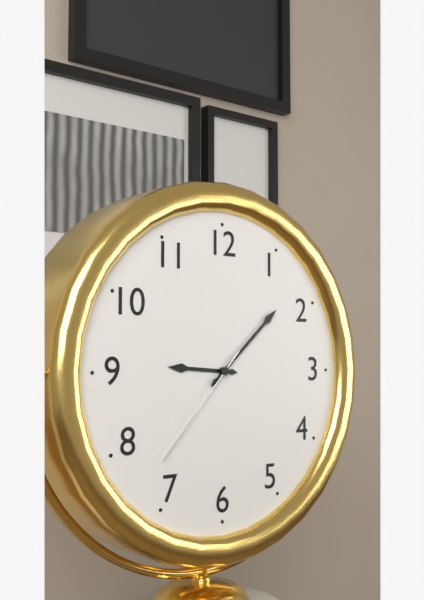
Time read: 9h08m37s
